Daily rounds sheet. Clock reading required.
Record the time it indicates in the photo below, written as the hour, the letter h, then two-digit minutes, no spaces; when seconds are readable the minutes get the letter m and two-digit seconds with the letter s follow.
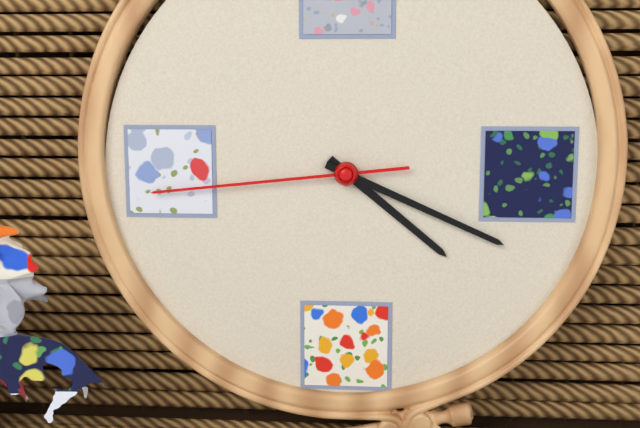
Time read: 4h19m44s
